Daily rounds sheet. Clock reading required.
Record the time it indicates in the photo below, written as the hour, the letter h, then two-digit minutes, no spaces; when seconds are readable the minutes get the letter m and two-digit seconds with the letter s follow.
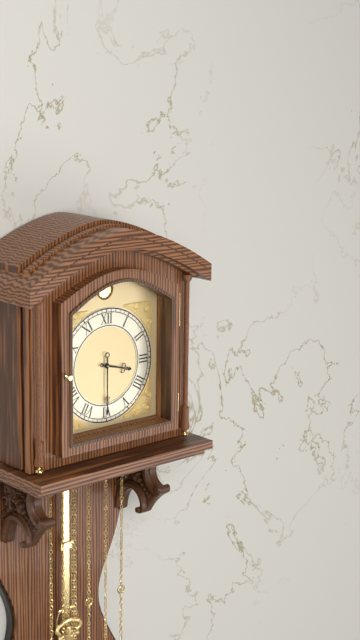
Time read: 3h30
